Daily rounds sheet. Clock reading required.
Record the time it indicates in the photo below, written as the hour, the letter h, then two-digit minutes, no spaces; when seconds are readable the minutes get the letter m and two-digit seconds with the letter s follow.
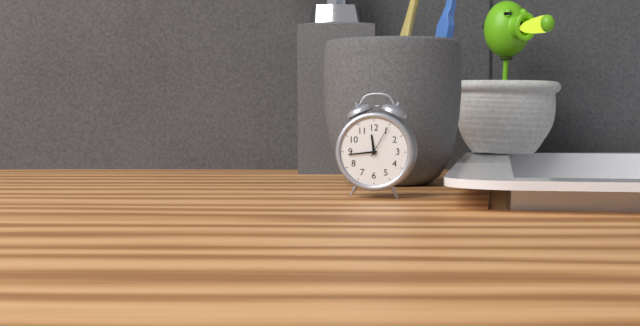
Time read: 11h44
